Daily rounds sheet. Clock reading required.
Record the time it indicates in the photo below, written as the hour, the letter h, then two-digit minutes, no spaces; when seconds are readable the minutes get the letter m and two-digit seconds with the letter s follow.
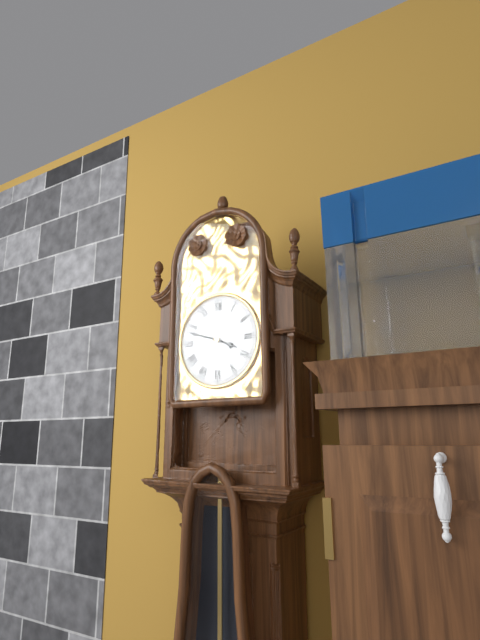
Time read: 3h48
